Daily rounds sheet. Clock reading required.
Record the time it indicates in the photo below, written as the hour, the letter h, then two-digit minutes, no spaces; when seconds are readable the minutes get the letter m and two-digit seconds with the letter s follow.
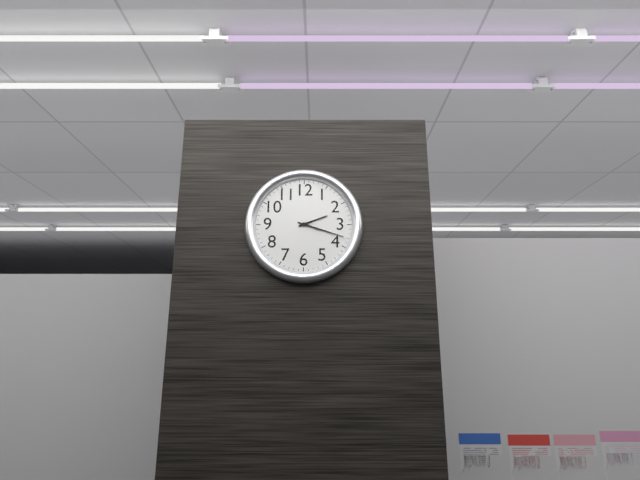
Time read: 2h18
